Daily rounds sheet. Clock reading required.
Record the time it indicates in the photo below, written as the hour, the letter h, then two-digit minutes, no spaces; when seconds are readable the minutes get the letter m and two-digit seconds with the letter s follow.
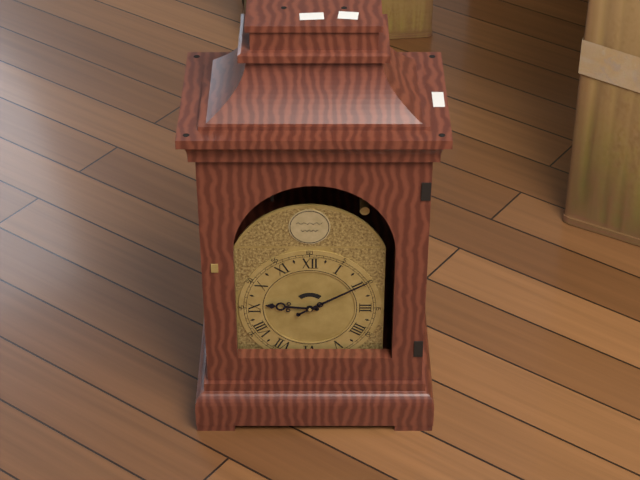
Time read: 9h10
